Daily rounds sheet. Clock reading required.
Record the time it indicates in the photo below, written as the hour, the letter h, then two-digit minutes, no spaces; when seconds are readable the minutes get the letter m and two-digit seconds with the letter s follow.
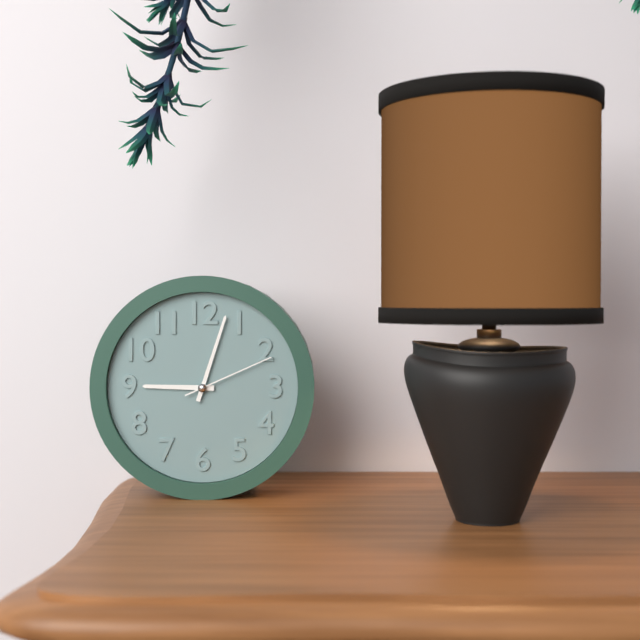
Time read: 9h03m11s
